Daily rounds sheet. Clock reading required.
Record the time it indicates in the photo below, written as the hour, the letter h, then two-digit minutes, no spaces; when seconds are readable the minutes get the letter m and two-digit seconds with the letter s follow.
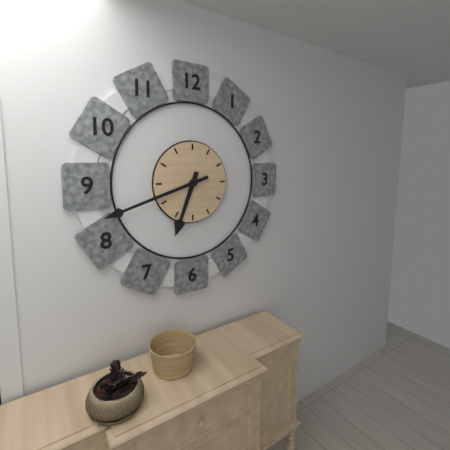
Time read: 6h42
